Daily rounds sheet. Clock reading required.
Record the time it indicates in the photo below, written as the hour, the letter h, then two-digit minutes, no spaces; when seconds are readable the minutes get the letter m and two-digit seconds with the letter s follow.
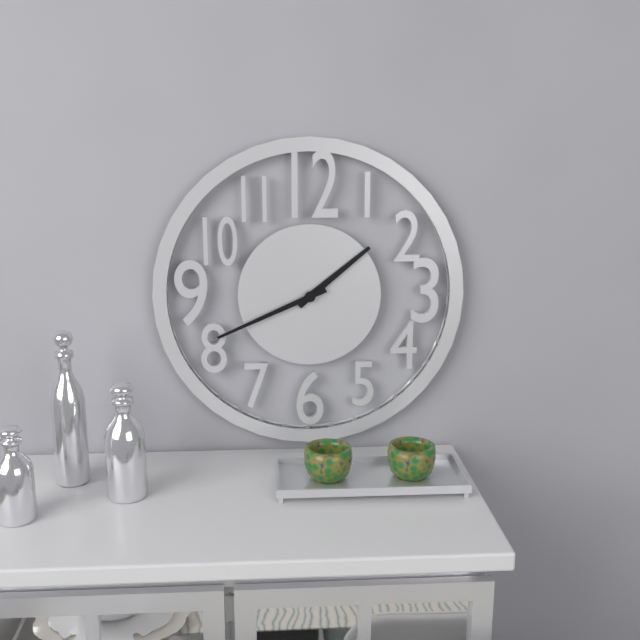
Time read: 1h41
